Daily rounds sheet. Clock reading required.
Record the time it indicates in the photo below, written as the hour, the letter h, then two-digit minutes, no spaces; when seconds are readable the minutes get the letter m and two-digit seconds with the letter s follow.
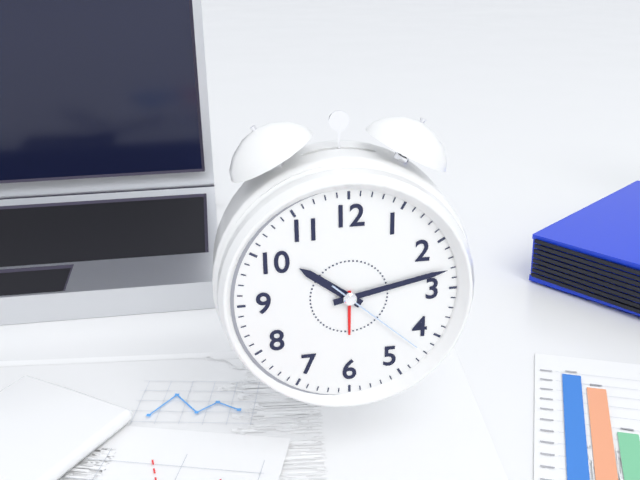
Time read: 10h13m22s
